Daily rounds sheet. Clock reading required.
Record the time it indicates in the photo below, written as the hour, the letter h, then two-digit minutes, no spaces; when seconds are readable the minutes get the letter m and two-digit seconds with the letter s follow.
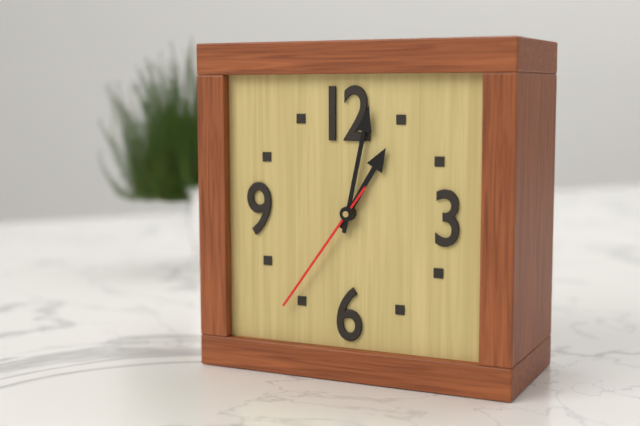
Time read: 1h02m36s
